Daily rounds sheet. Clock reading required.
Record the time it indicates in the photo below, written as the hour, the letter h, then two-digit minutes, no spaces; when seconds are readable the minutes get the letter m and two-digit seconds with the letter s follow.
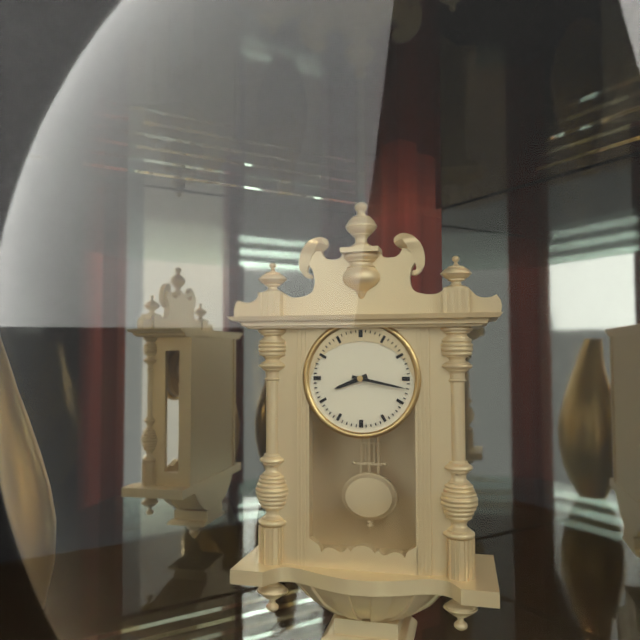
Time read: 8h17
